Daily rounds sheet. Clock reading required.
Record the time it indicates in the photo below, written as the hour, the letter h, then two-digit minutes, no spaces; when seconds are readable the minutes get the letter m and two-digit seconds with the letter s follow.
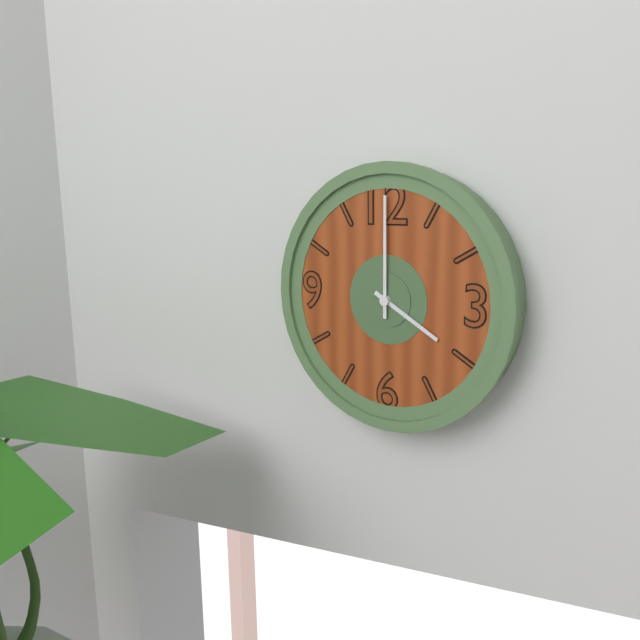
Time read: 4h00
